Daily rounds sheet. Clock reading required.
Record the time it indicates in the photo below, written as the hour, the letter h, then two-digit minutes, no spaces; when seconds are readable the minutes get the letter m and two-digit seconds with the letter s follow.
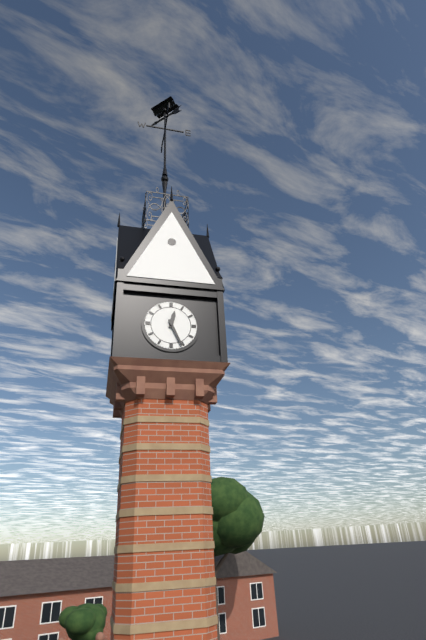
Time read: 12h26
